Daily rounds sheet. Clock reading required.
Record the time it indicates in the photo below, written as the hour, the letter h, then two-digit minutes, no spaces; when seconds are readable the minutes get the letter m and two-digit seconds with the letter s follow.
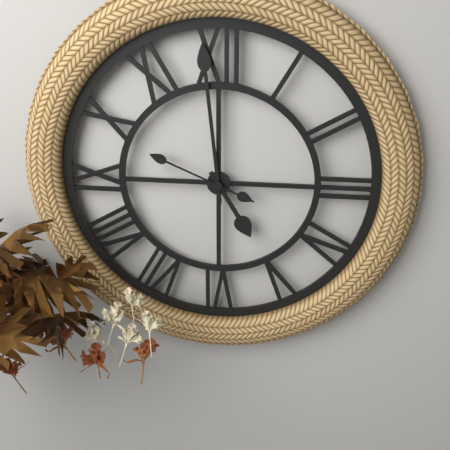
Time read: 4h59m49s
